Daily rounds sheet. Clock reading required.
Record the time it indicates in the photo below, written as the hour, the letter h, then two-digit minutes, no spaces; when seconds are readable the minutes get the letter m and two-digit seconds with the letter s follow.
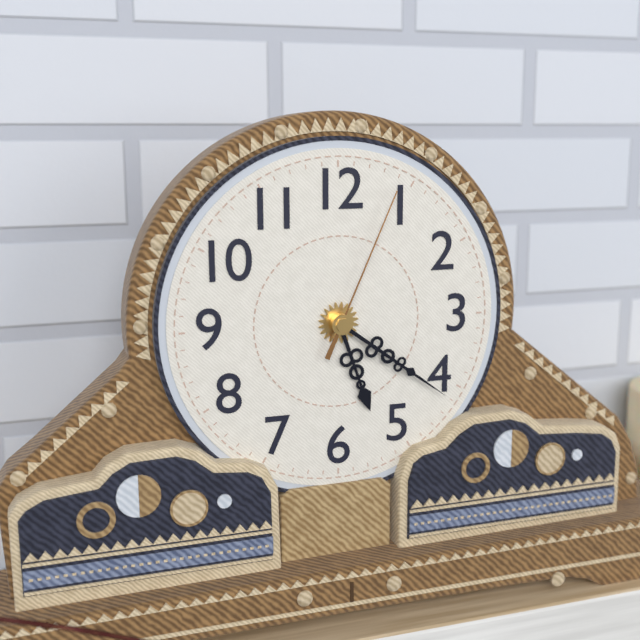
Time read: 5h21m04s
